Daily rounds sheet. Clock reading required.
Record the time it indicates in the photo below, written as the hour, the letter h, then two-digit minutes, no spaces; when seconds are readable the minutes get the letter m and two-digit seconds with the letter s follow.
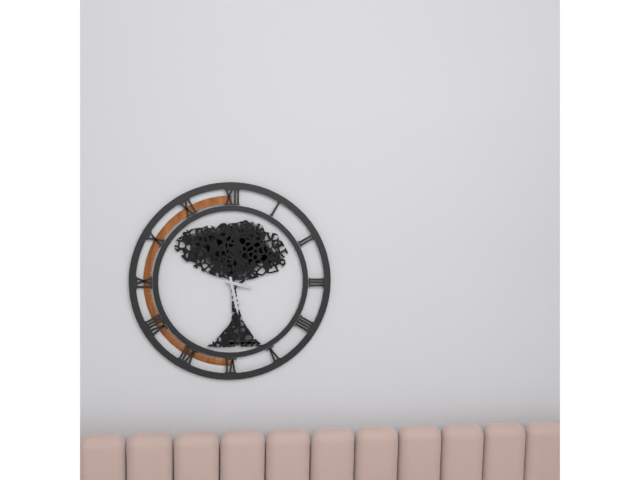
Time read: 3h28
